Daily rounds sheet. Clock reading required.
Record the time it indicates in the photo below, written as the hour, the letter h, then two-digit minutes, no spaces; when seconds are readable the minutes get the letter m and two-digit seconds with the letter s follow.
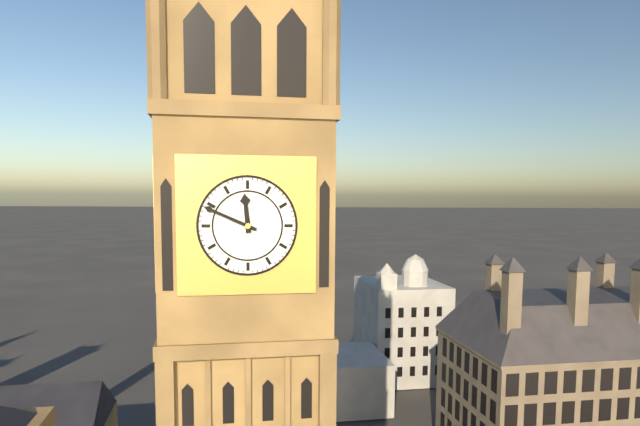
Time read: 11h49
